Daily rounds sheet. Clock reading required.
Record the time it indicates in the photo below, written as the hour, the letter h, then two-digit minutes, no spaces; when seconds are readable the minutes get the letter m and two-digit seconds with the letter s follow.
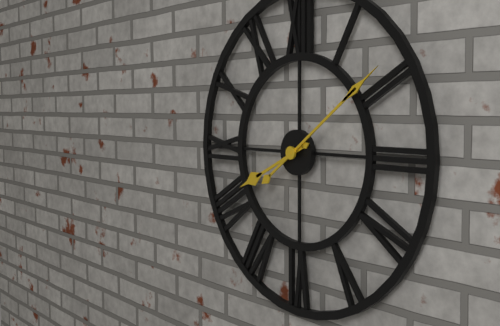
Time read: 8h09
